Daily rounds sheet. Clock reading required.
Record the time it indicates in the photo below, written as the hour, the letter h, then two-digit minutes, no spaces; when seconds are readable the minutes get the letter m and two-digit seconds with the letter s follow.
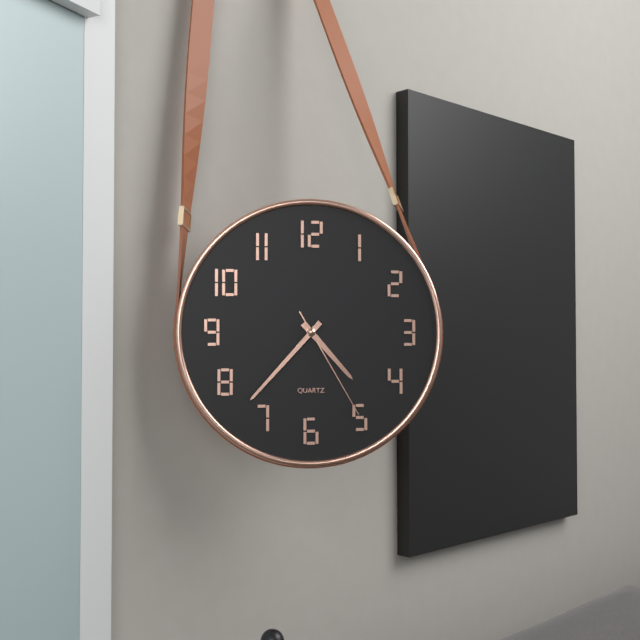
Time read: 4h37m25s
